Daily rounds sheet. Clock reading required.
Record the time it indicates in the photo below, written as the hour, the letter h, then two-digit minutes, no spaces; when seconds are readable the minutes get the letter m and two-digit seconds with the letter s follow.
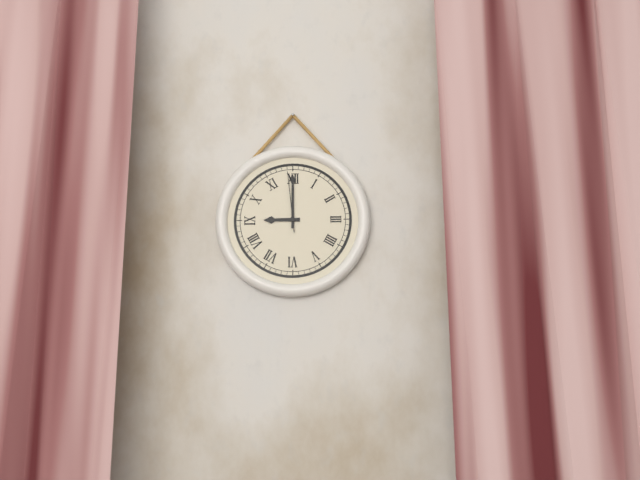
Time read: 9h00m59s
